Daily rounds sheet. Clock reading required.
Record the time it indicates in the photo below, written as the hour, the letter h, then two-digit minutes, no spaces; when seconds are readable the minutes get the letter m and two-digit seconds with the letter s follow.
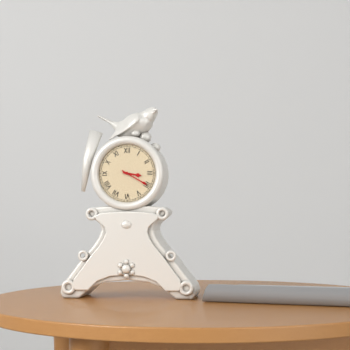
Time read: 3h20
